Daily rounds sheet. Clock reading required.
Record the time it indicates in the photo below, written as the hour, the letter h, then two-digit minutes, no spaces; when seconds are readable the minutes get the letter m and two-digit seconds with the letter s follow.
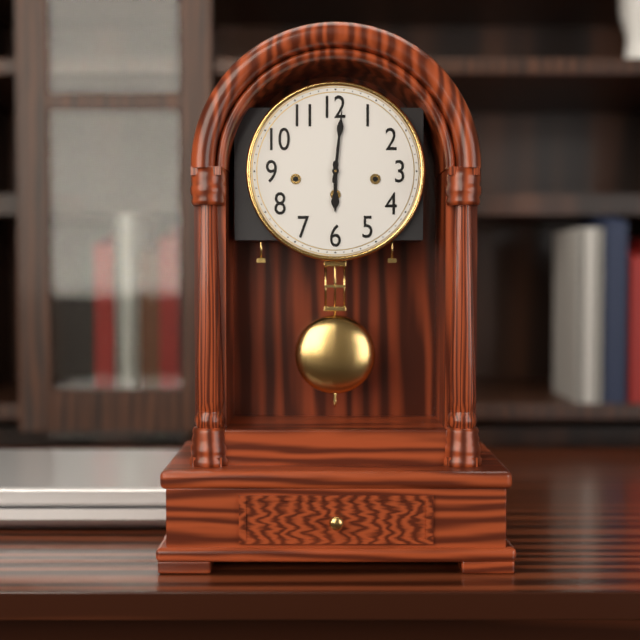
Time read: 6h01
